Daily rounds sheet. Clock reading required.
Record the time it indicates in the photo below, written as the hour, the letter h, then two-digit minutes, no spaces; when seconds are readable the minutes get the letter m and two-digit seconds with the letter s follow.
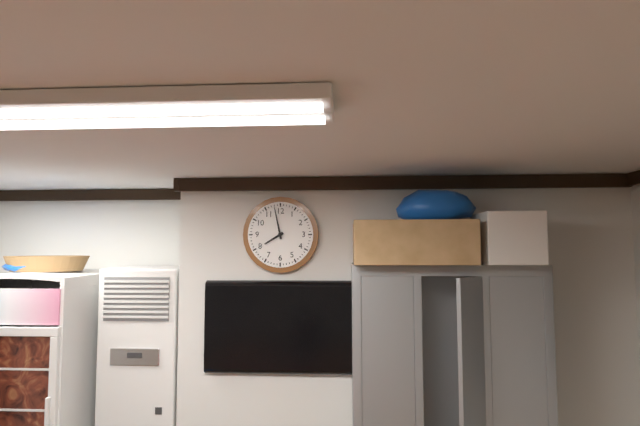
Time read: 7h58
